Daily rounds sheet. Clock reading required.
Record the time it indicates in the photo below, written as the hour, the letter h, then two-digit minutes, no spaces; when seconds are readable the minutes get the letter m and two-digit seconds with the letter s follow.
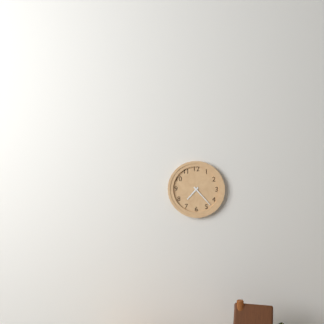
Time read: 7h23
